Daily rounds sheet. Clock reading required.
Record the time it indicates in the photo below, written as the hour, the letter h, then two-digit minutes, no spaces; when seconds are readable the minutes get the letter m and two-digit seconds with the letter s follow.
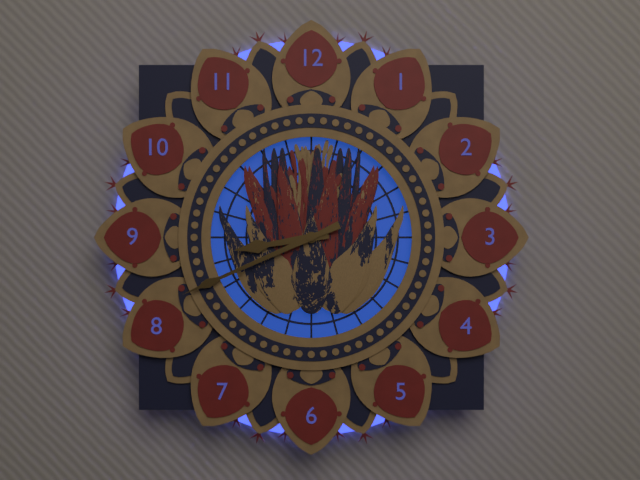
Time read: 8h41
